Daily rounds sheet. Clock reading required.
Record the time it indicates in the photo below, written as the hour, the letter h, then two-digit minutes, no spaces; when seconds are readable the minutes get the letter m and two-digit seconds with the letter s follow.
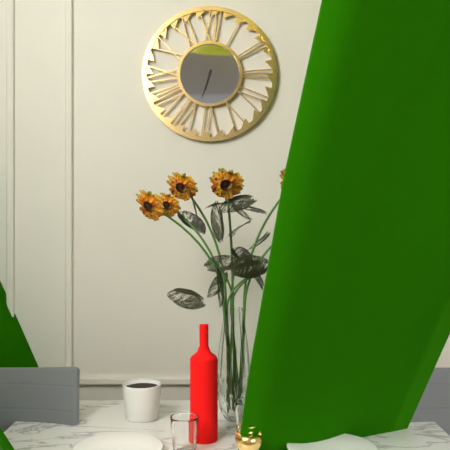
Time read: 6h33
